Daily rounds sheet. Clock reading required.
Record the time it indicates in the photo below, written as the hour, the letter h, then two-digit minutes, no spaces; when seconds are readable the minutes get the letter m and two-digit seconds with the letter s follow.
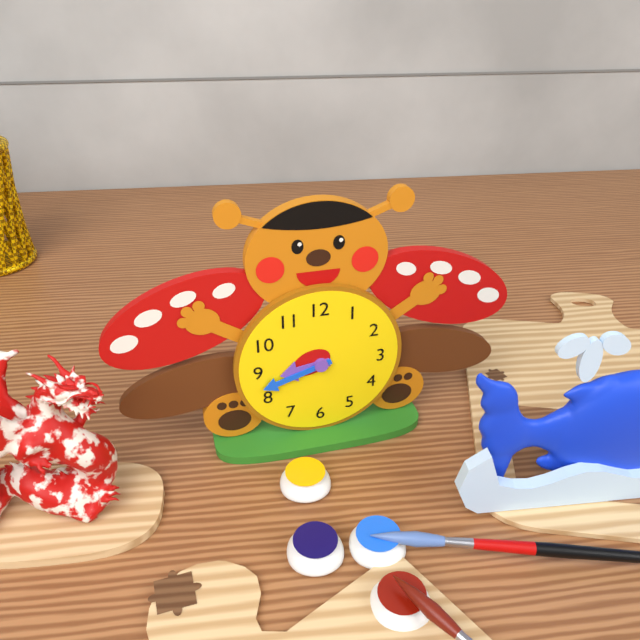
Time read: 8h42
